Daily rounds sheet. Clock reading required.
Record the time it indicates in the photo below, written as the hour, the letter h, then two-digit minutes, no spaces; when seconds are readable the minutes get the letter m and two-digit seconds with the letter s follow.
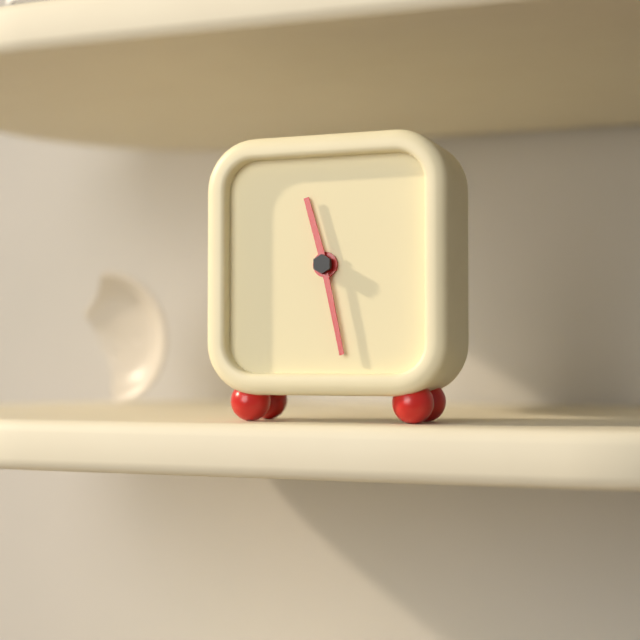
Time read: 11h28
